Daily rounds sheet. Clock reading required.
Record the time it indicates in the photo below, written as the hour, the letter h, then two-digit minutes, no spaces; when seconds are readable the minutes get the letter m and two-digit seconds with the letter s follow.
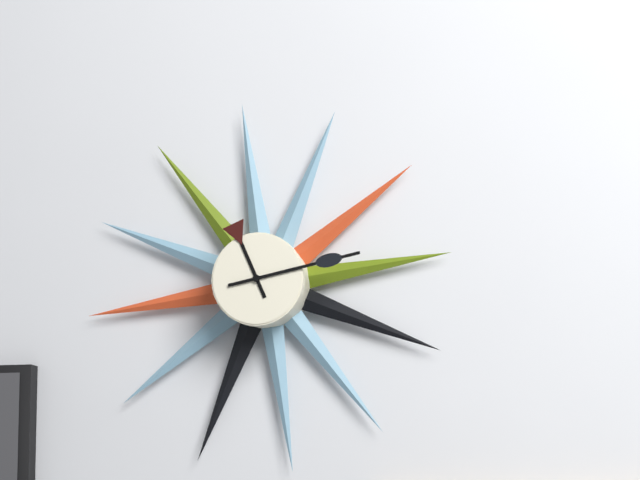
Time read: 11h13
